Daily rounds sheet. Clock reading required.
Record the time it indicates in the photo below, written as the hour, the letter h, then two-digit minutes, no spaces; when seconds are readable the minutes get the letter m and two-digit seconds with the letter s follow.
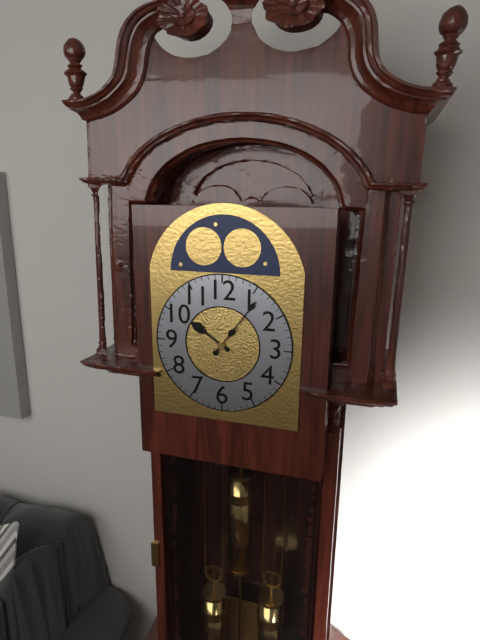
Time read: 10h06
